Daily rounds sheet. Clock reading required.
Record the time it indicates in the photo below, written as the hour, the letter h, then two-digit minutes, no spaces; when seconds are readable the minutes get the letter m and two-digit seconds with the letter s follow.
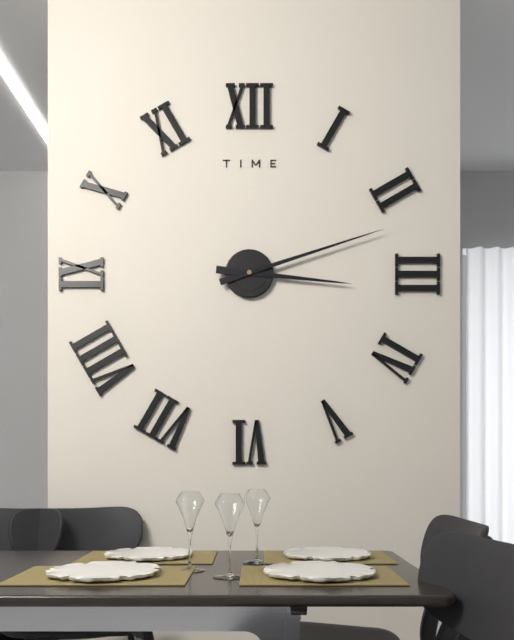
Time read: 3h12
